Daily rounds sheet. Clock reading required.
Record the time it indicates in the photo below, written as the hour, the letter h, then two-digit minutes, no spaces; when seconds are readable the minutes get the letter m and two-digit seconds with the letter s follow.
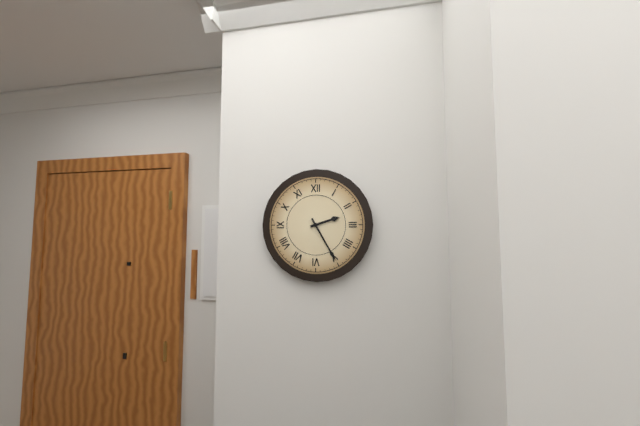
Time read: 2h25
